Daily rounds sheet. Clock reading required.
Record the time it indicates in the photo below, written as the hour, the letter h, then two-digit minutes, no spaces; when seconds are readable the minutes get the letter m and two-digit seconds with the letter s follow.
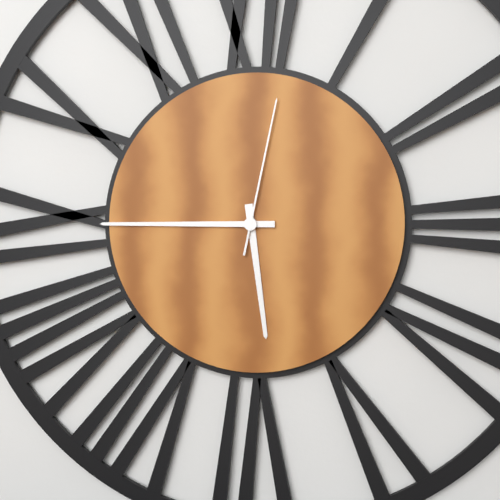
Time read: 5h45m02s
